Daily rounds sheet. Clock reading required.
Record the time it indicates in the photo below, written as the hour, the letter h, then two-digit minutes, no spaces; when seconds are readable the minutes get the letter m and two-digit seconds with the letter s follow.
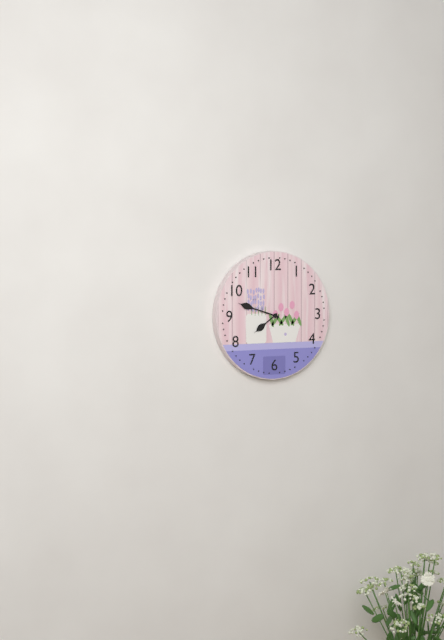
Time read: 7h48
